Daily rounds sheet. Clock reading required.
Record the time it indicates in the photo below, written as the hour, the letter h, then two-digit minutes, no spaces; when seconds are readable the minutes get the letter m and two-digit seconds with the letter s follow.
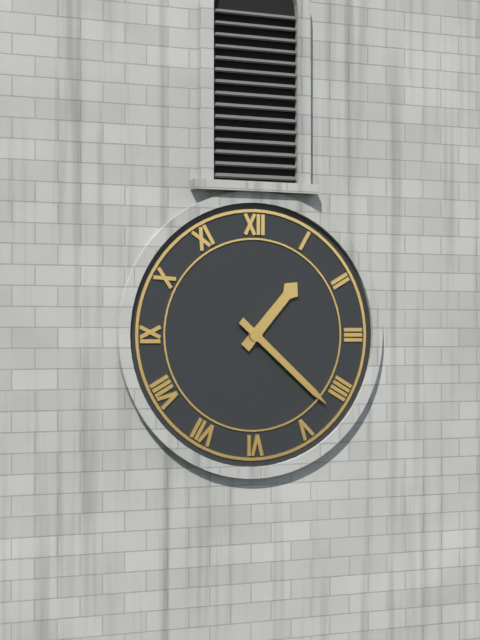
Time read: 1h22
